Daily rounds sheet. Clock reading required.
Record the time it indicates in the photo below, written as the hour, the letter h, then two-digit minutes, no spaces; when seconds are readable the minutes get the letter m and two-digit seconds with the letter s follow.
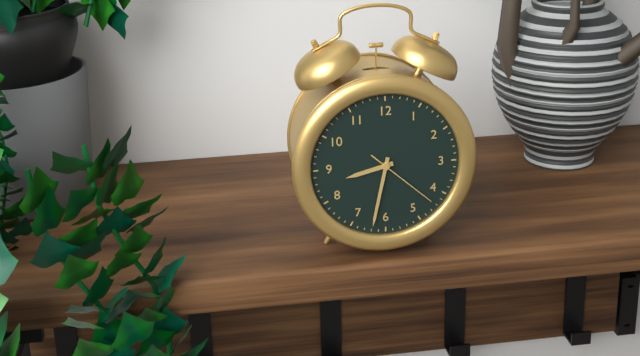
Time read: 8h32m22s
